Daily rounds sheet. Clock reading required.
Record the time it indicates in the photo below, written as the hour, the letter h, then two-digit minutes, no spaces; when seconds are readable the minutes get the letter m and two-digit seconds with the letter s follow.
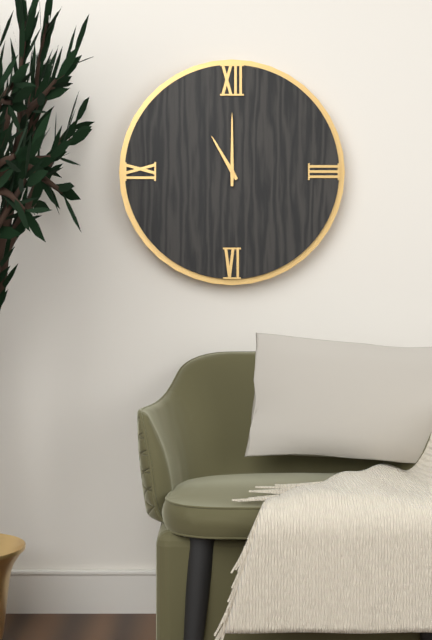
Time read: 11h00
